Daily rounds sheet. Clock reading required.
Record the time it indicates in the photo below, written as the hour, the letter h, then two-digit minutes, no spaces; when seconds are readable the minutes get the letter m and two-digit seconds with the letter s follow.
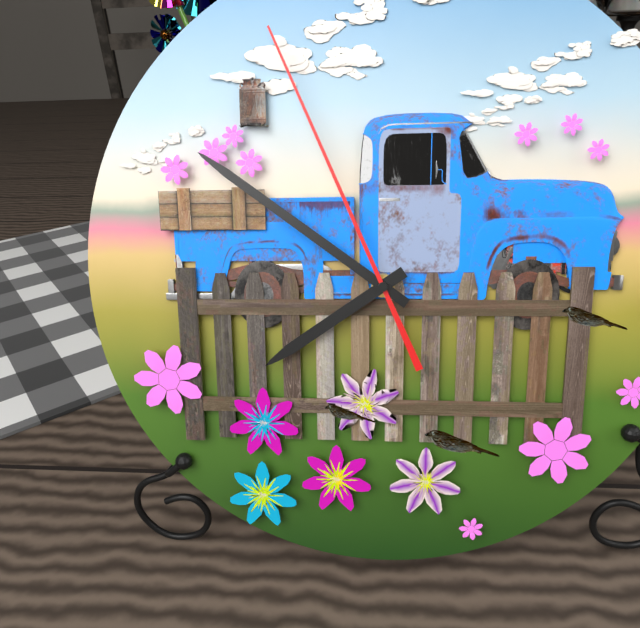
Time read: 7h51m56s
